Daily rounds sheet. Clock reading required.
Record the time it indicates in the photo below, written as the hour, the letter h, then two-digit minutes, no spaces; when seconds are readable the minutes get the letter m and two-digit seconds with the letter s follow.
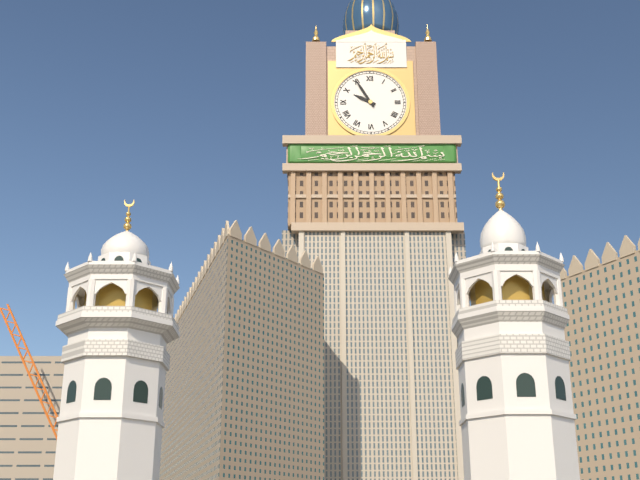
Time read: 9h55
